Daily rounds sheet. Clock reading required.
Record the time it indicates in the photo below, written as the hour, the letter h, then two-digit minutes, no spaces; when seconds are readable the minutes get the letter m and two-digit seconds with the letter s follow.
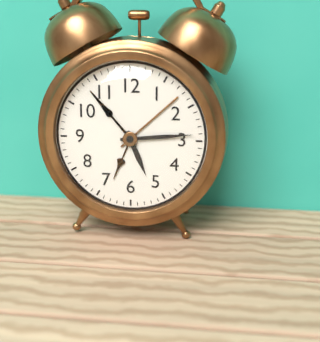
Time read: 5h14
